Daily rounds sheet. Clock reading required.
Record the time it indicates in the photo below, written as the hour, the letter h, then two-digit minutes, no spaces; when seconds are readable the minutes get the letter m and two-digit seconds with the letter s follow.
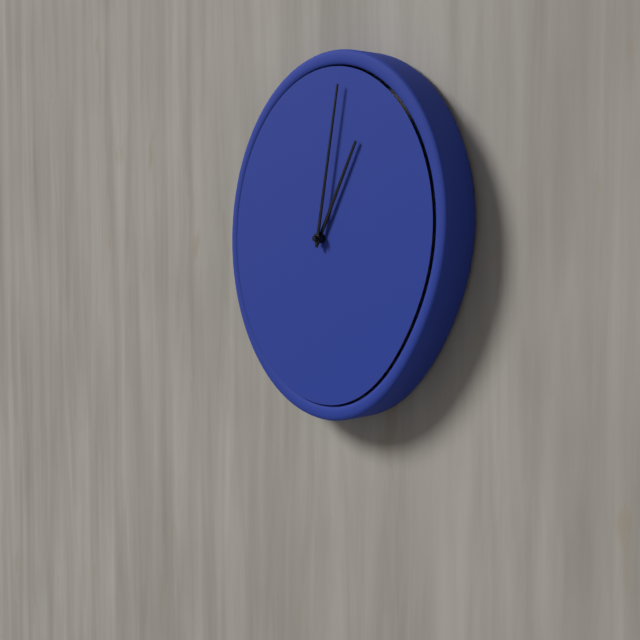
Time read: 1h02
